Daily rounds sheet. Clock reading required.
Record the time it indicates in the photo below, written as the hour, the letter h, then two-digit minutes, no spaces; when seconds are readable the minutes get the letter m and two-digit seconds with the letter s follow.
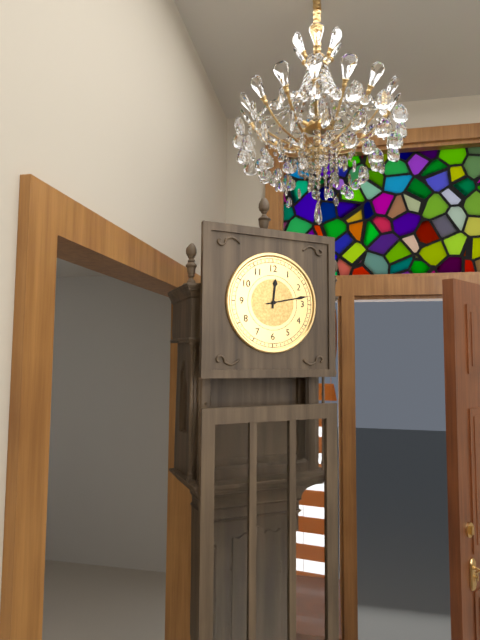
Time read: 12h13
